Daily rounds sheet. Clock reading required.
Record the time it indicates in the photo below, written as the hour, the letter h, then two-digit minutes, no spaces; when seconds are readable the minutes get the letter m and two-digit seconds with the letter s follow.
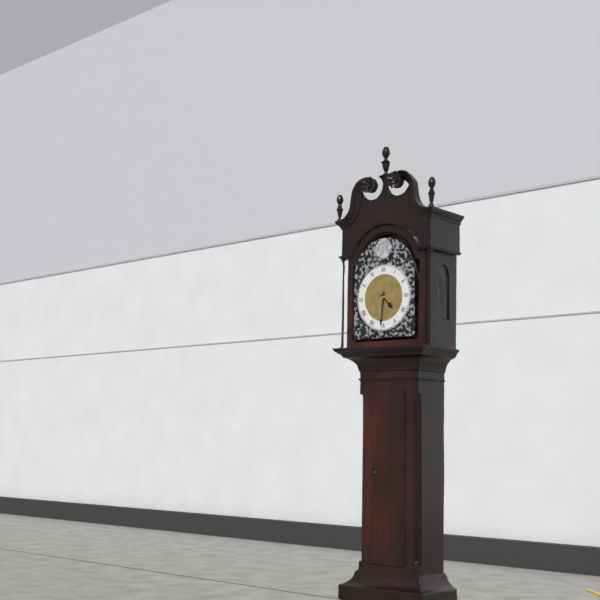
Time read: 4h31
